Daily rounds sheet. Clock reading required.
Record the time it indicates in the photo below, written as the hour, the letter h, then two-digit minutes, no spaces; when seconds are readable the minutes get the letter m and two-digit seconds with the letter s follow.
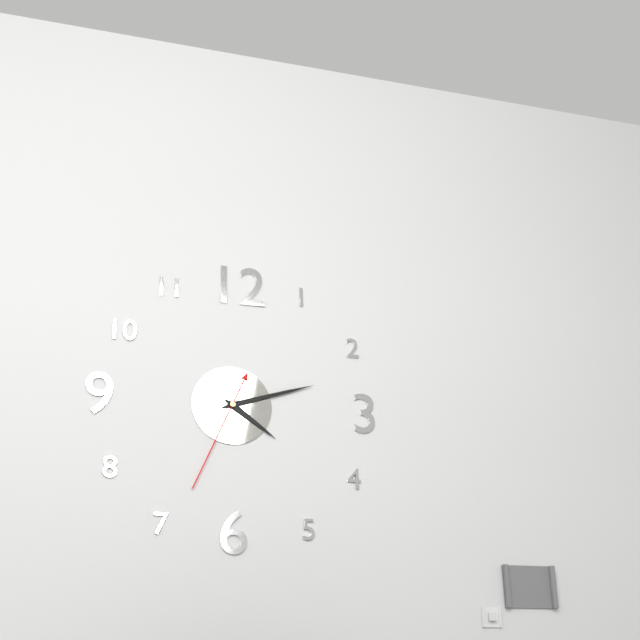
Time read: 4h12m34s
